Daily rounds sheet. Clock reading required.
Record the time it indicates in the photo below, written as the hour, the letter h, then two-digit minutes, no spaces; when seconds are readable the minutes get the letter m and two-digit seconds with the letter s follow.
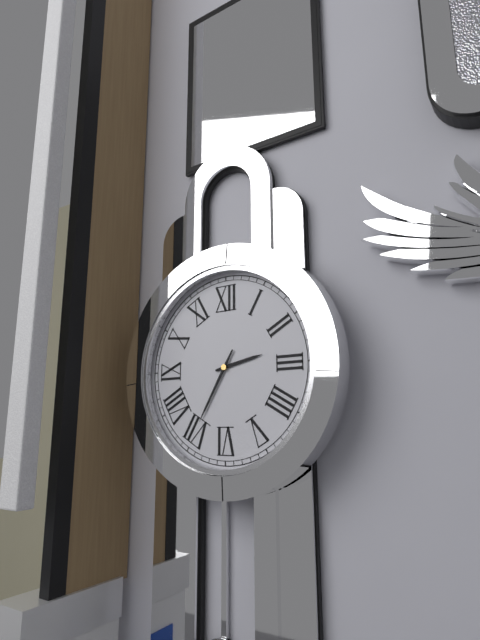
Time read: 2h35
